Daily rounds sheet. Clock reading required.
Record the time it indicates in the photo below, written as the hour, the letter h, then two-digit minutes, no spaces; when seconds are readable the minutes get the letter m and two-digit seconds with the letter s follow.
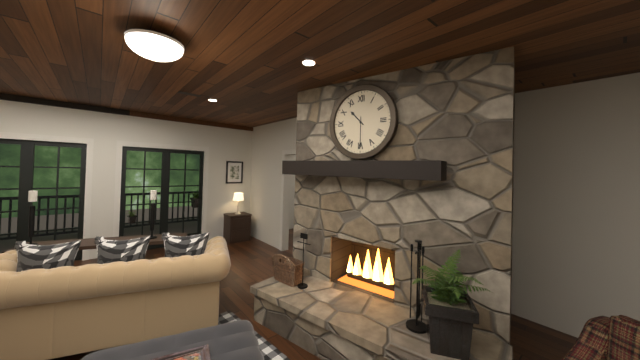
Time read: 10h30
